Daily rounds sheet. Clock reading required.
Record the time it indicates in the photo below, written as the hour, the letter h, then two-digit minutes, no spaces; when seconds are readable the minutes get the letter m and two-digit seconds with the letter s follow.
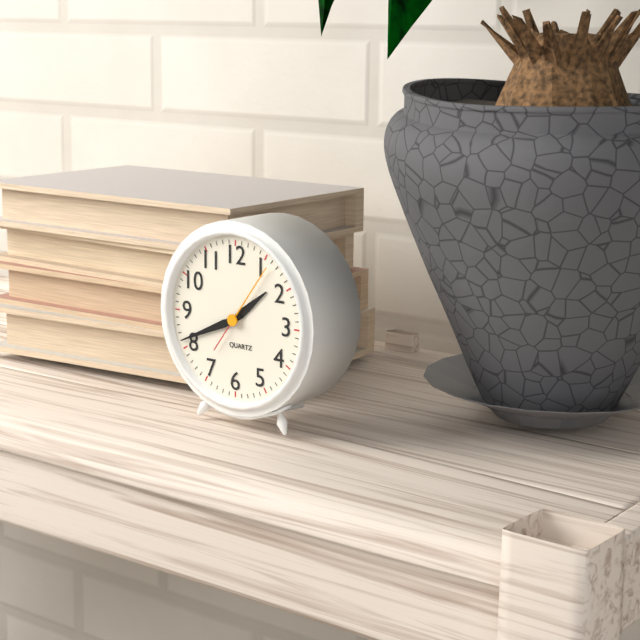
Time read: 1h41m06s
